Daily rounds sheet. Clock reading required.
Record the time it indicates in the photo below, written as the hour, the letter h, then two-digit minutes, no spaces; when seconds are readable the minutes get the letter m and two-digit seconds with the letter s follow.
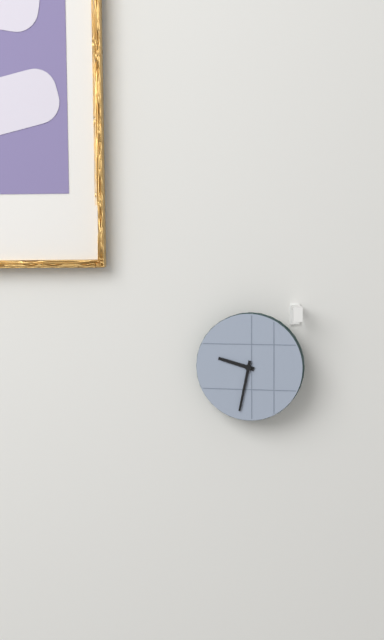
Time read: 9h32
